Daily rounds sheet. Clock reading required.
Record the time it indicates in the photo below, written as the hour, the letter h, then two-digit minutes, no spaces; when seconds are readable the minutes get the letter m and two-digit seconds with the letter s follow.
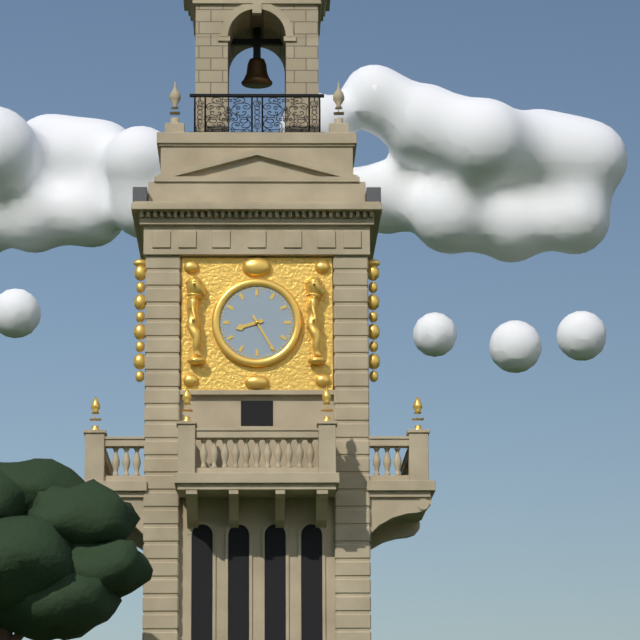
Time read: 8h25
